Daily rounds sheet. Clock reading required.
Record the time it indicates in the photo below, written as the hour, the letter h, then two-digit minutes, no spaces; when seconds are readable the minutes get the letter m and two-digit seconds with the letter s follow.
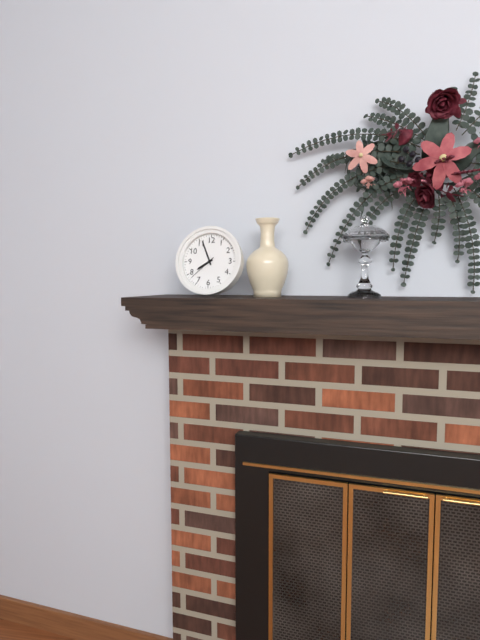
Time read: 7h56
